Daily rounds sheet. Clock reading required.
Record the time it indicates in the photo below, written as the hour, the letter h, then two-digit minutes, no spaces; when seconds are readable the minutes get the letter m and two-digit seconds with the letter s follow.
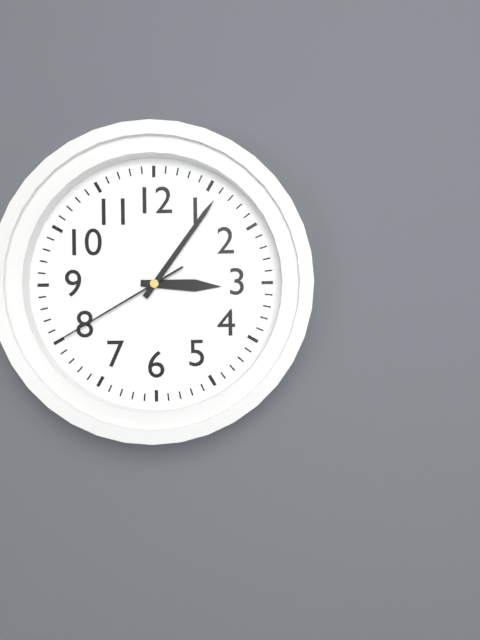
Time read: 3h06m40s
